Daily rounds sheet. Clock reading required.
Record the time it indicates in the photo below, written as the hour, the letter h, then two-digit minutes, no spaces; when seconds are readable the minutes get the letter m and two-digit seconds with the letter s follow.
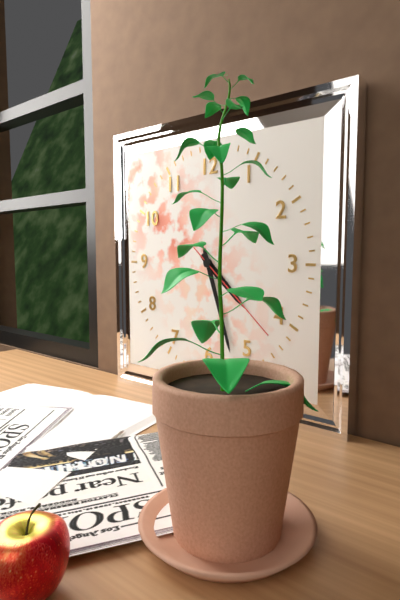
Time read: 4h27m22s
